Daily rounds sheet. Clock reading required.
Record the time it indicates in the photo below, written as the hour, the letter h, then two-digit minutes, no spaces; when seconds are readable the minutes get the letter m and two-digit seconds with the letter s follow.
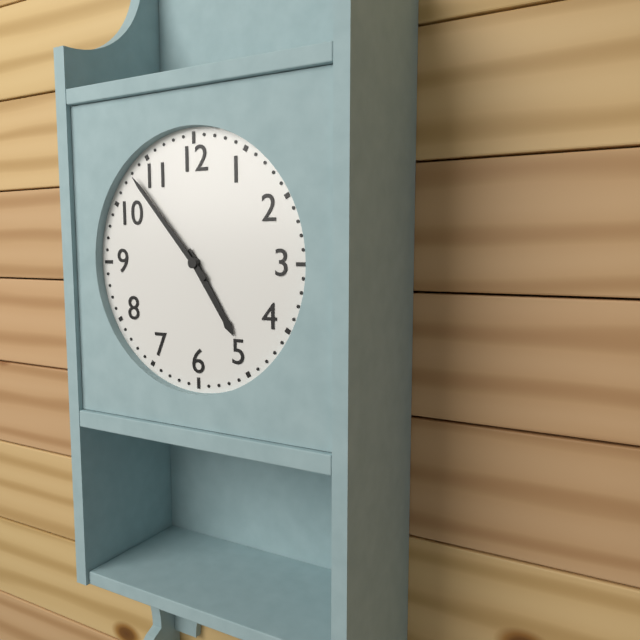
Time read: 4h53
